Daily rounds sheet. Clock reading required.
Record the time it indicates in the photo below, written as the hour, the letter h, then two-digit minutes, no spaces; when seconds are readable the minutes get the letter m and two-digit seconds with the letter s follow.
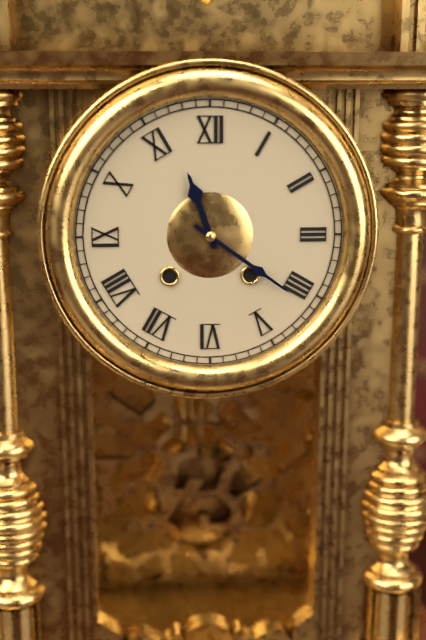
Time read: 11h21
